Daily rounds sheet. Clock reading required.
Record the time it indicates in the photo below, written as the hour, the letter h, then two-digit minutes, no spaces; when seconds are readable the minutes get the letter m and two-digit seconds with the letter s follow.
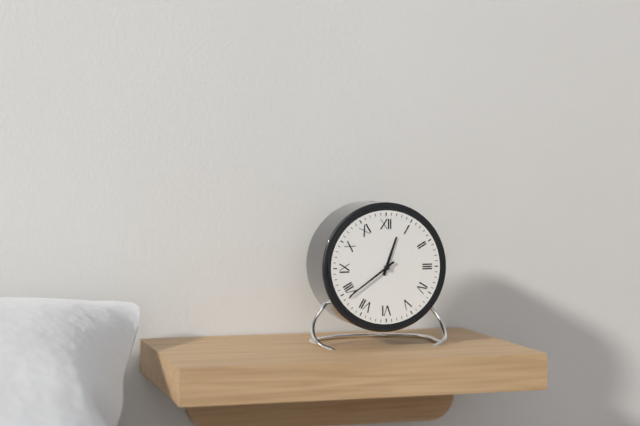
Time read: 12h39
